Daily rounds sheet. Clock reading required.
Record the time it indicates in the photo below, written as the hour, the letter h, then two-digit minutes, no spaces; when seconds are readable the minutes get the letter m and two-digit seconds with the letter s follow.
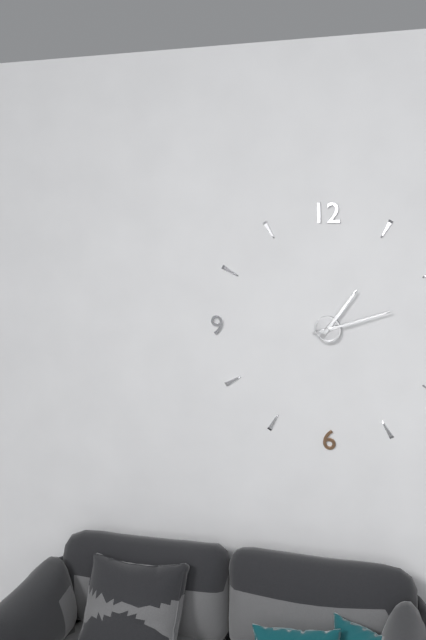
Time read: 1h12
